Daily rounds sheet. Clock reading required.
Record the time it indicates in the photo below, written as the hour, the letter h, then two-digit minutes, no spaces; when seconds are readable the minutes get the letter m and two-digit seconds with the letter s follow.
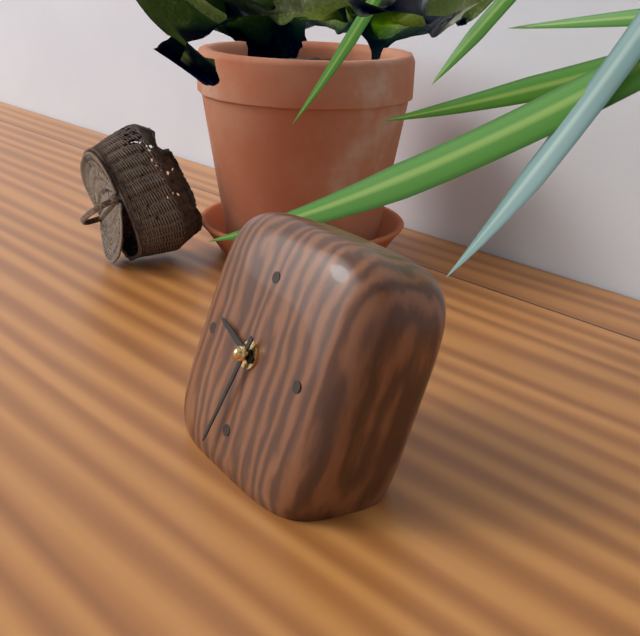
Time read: 9h32
